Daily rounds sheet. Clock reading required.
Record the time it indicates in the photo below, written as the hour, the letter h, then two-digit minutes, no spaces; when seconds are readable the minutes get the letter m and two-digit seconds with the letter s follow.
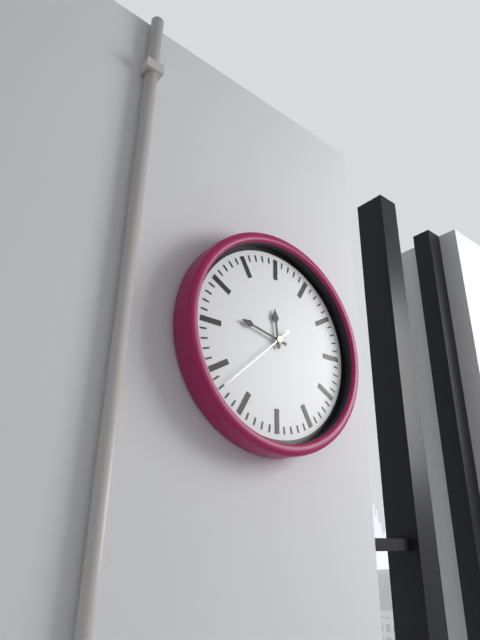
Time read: 11h47m38s
